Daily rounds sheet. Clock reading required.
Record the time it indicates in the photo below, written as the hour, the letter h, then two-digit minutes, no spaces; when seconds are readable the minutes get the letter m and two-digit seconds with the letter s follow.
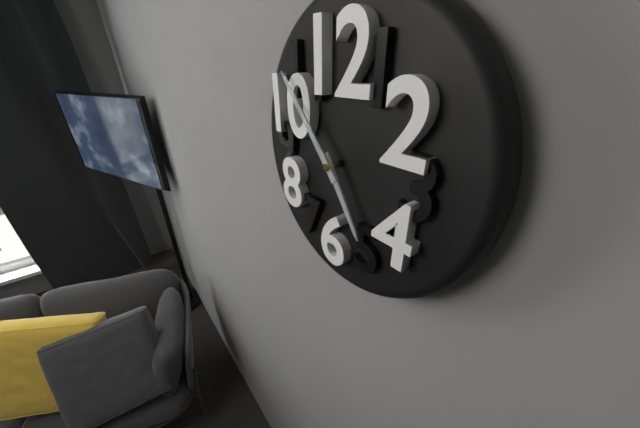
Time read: 4h53
